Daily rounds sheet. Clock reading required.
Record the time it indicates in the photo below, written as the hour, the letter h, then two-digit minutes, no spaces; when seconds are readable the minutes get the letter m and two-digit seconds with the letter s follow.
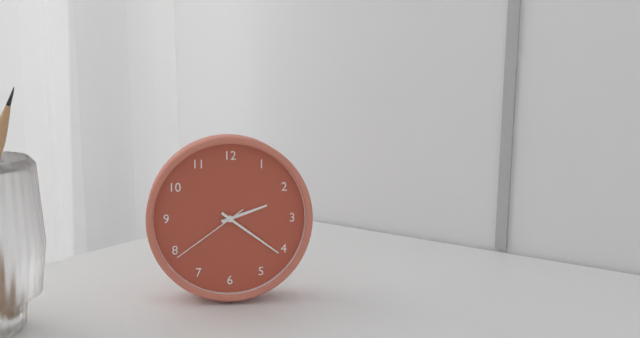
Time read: 2h21m39s
